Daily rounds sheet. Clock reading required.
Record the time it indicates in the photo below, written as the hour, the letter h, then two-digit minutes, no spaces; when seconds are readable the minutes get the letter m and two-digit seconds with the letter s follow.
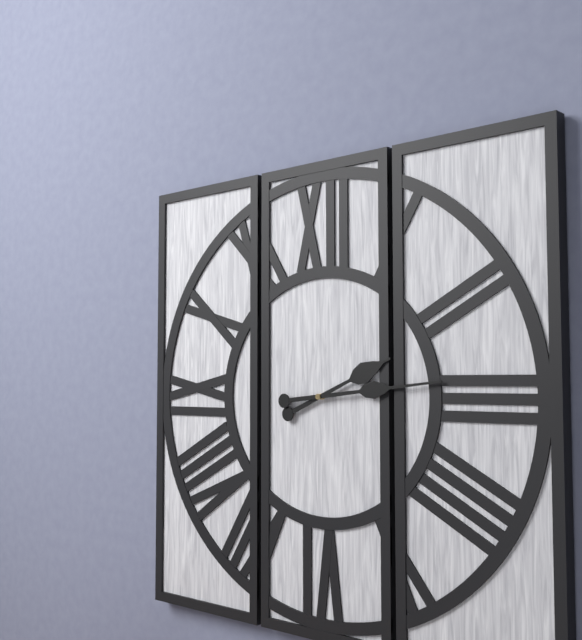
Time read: 2h14
